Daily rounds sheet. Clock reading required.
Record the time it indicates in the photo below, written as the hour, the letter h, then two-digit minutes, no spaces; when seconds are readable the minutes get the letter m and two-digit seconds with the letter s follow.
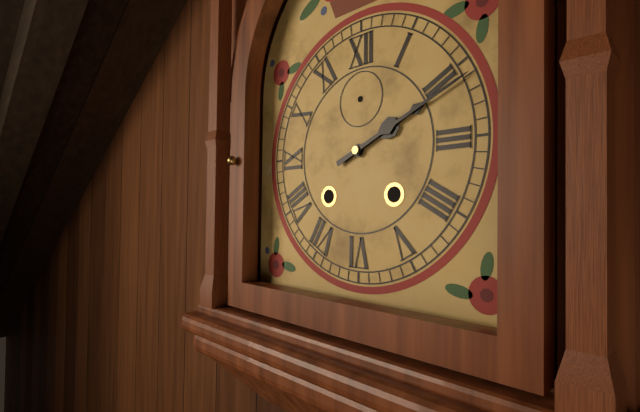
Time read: 2h11
